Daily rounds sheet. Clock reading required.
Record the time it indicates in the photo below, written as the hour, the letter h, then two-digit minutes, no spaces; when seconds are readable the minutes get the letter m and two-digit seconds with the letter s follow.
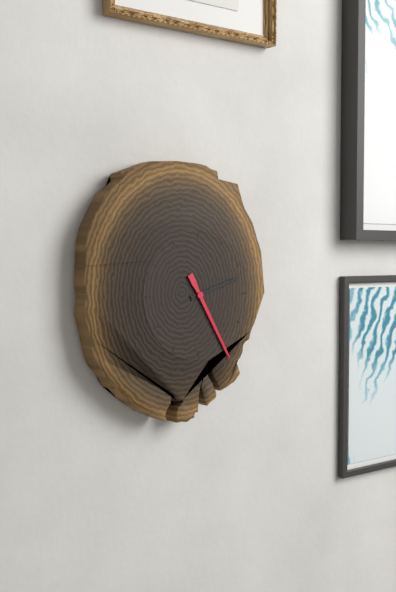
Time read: 2h25
